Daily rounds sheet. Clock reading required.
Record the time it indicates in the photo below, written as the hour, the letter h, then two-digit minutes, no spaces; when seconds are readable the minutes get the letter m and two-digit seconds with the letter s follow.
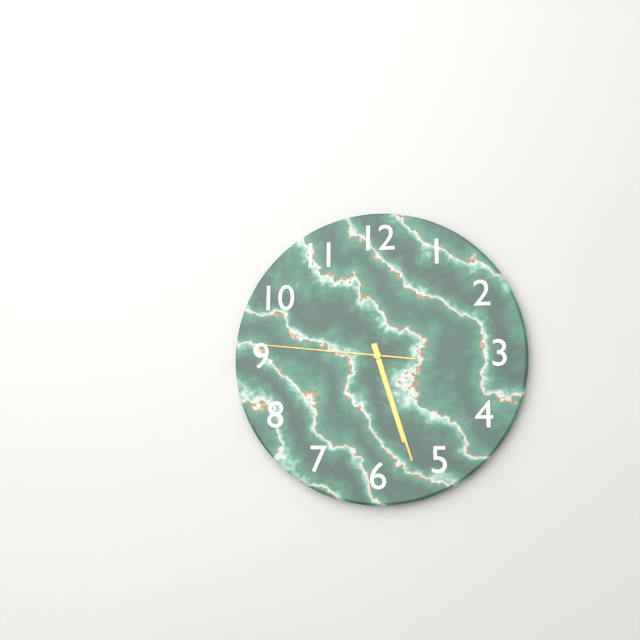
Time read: 5h27m46s
